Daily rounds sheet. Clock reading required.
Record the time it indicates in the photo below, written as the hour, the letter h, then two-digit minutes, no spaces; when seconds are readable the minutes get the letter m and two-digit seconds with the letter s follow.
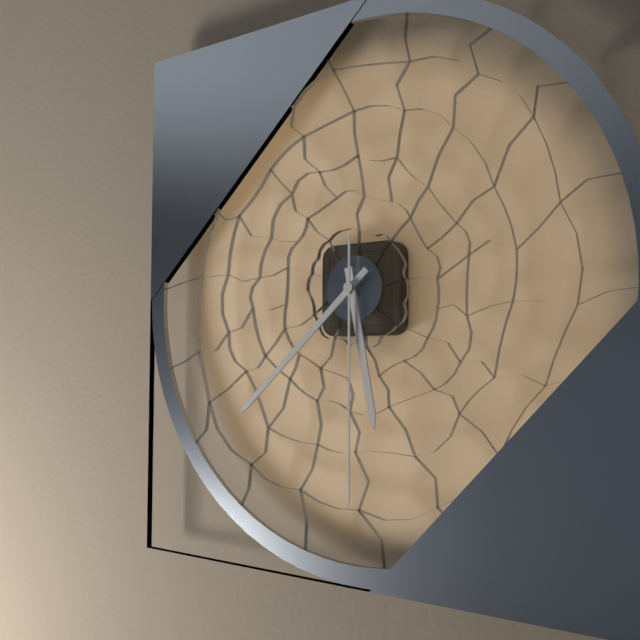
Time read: 5h38m30s
